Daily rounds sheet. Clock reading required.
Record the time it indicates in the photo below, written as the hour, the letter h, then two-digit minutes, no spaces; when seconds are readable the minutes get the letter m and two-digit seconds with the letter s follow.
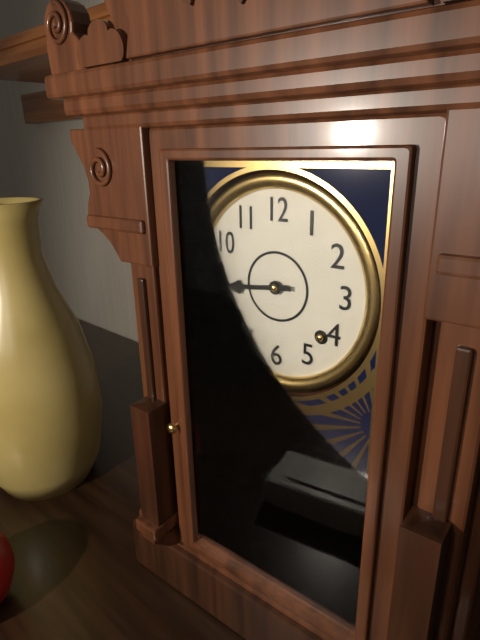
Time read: 8h44
